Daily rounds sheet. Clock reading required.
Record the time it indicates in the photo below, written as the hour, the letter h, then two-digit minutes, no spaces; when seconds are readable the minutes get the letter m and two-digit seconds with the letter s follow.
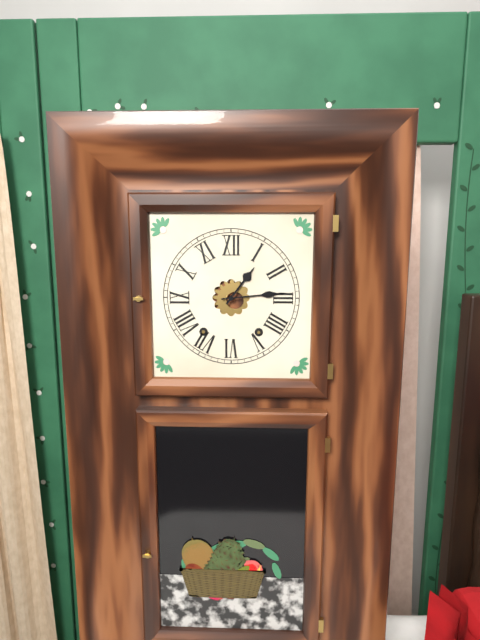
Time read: 1h14
